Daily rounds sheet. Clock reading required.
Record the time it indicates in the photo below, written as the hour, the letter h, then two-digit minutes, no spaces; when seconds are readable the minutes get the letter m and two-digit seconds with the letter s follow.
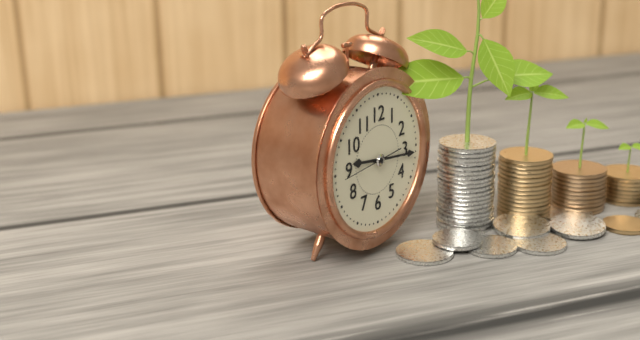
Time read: 9h16
